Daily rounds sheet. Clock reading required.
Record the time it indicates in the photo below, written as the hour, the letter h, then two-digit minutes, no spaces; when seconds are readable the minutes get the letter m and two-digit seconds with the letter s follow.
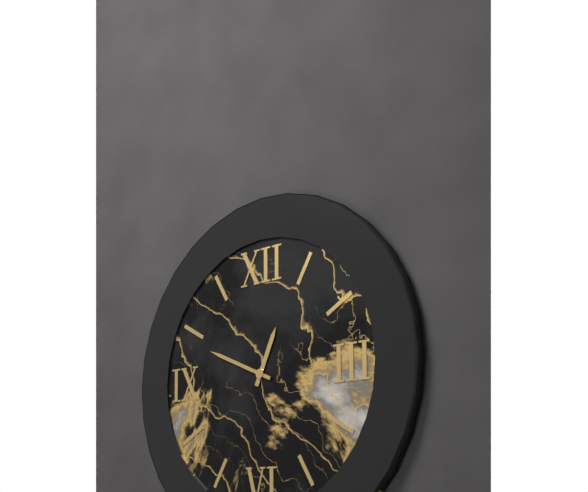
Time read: 12h49
